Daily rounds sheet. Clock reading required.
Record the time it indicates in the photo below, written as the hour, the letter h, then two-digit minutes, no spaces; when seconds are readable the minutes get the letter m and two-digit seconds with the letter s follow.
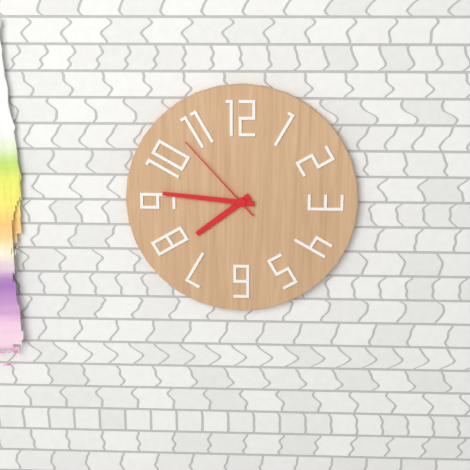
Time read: 7h46m53s
